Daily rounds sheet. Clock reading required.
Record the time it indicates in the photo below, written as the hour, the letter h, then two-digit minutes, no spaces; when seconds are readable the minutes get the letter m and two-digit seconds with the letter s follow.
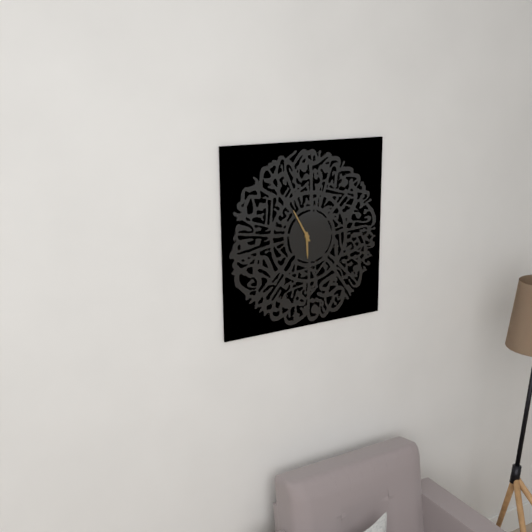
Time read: 5h55
